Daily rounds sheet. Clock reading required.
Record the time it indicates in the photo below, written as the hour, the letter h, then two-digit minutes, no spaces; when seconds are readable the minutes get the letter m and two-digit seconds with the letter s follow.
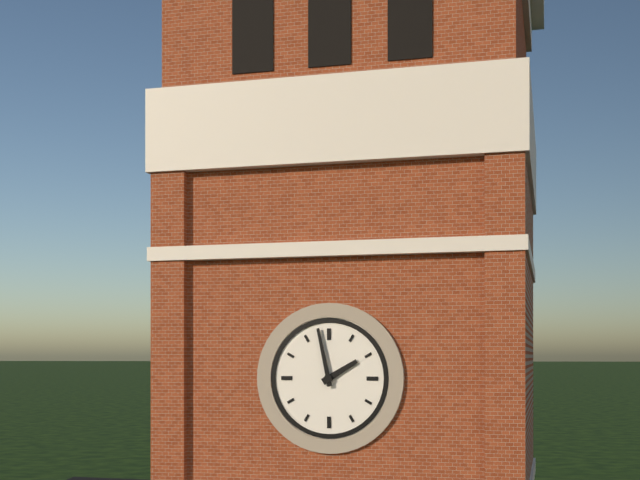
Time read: 1h58
